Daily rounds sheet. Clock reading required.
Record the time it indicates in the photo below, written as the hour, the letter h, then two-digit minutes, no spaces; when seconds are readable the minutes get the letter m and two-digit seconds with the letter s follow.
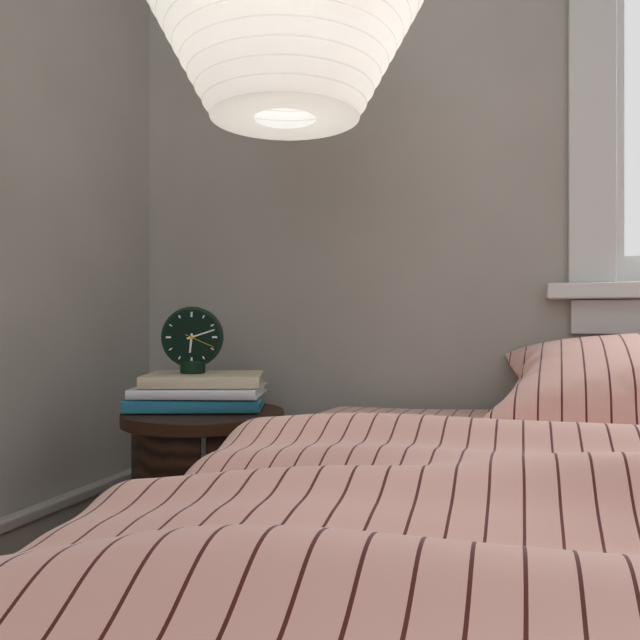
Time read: 6h12
